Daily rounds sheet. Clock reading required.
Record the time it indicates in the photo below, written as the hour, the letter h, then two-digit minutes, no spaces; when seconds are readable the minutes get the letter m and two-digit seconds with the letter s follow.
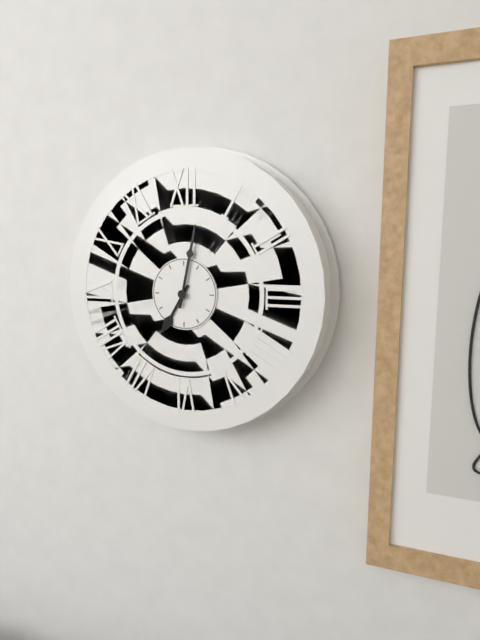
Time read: 7h02
